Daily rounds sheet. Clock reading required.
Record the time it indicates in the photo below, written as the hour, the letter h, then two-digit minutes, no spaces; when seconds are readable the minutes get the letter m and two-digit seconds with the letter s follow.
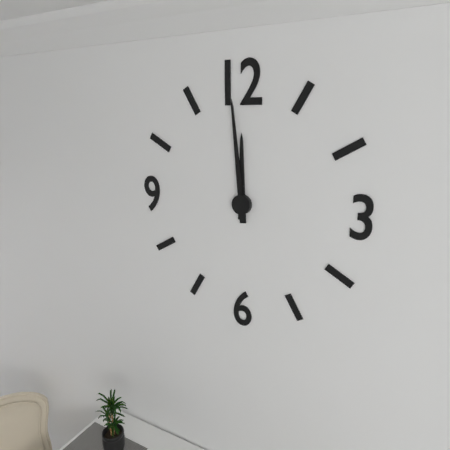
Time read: 11h59
